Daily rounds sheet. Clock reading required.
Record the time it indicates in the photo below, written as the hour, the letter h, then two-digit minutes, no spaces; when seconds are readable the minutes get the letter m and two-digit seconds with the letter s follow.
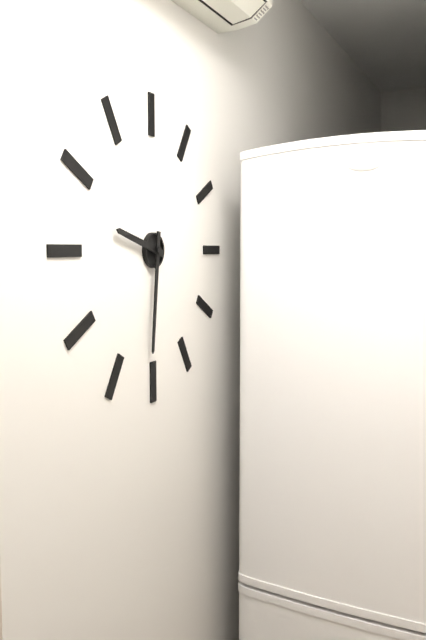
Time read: 9h31
